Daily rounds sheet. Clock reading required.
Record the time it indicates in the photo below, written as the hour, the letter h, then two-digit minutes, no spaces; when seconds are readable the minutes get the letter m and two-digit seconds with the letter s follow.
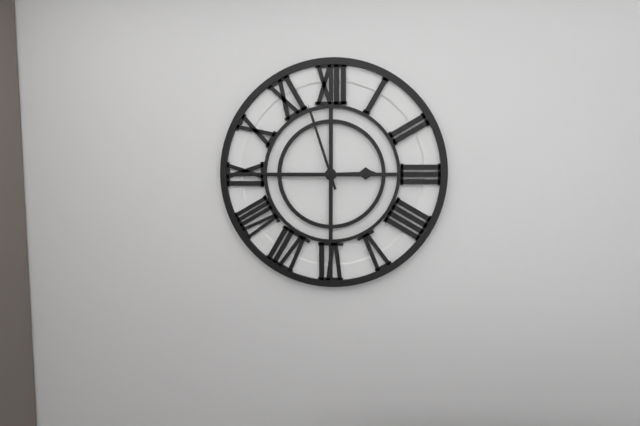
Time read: 2h57m45s
